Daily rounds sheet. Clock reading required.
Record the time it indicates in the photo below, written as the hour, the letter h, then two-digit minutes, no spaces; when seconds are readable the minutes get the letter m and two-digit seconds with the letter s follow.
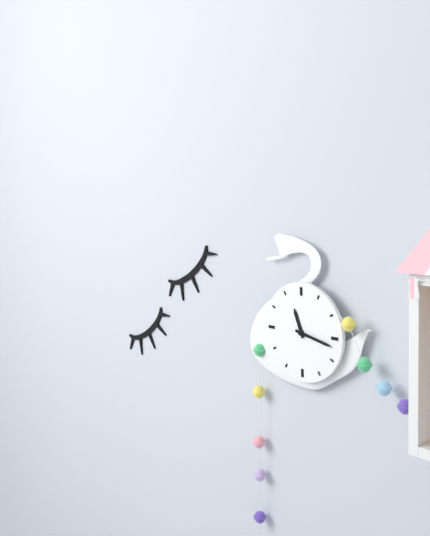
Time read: 11h17
